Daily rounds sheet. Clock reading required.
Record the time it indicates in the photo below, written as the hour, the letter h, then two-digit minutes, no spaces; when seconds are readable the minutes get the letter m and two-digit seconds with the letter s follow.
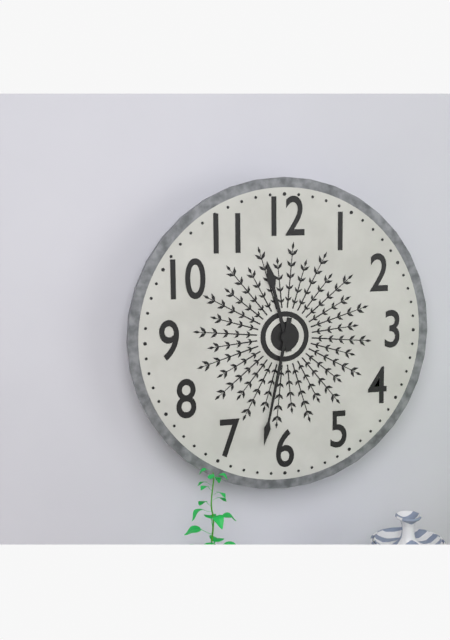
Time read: 11h32
